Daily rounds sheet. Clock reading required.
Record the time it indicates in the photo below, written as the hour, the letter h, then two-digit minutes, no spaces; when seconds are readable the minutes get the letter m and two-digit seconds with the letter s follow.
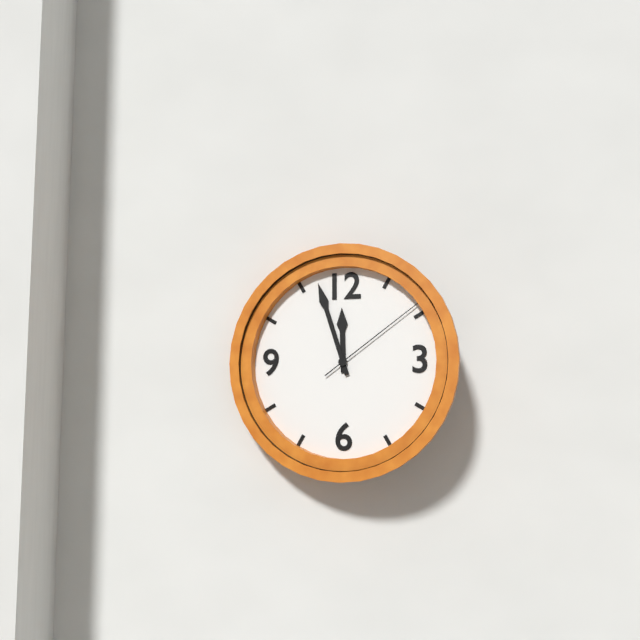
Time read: 11h57m09s
